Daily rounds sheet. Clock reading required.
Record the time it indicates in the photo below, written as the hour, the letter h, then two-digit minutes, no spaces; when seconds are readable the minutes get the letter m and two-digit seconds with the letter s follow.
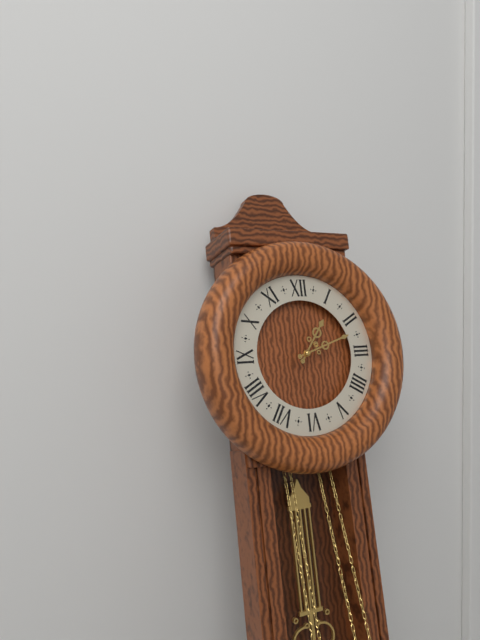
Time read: 1h12
